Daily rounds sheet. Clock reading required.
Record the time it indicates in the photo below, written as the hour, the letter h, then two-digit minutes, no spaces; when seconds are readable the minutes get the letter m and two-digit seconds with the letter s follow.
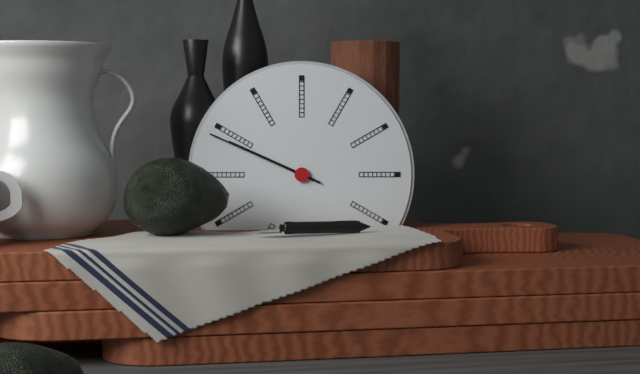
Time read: 9h49
